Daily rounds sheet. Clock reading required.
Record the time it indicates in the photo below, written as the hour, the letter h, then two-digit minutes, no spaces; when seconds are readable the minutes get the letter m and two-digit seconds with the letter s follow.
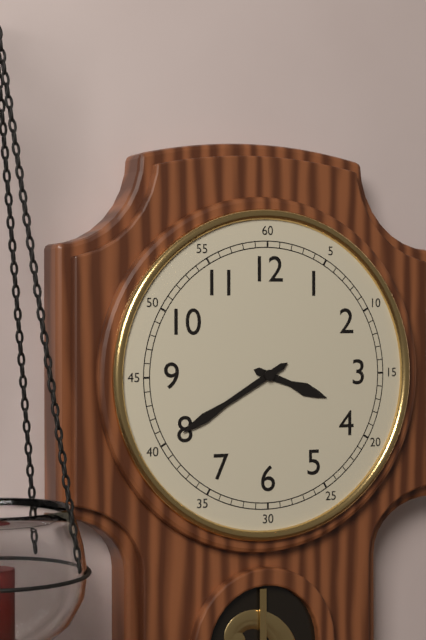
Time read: 3h40
